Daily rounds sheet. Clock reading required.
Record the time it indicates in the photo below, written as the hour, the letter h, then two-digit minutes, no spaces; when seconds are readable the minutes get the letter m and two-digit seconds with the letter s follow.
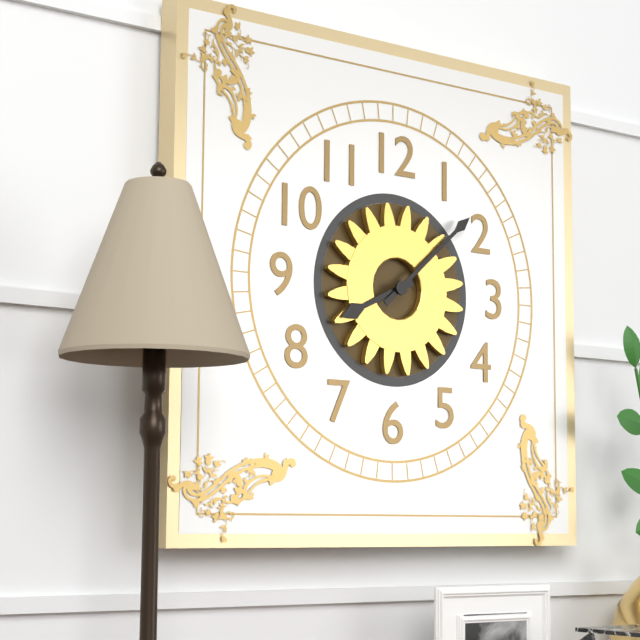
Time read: 8h08
